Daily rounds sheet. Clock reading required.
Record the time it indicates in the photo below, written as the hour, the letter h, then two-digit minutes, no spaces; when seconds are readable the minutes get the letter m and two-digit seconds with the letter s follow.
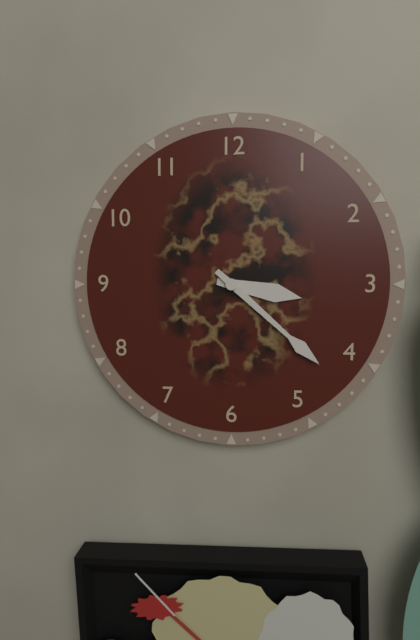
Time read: 3h22
